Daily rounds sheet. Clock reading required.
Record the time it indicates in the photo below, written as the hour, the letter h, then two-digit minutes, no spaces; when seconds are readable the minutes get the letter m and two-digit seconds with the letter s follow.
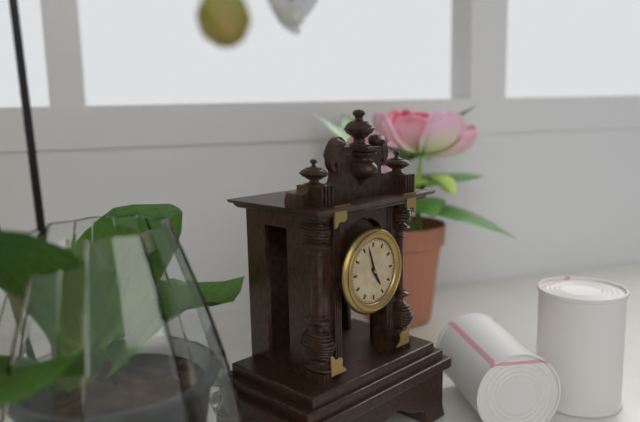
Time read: 4h57
